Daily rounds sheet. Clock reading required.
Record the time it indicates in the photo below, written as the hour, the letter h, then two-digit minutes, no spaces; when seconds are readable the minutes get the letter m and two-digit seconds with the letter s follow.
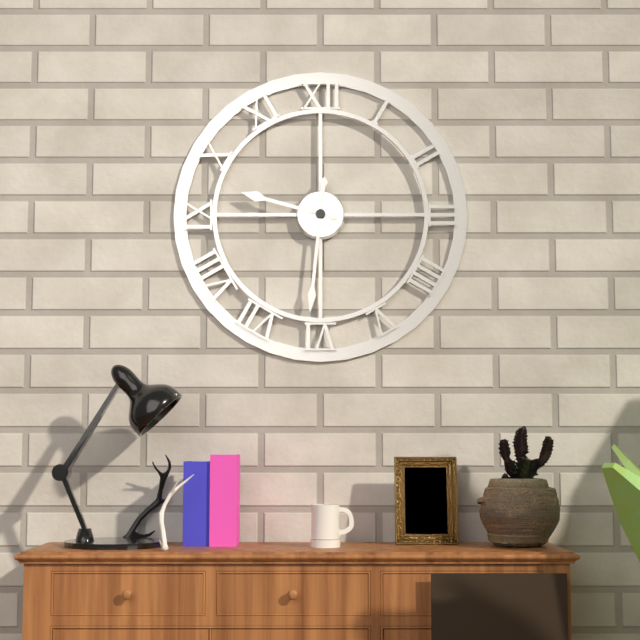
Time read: 9h31
